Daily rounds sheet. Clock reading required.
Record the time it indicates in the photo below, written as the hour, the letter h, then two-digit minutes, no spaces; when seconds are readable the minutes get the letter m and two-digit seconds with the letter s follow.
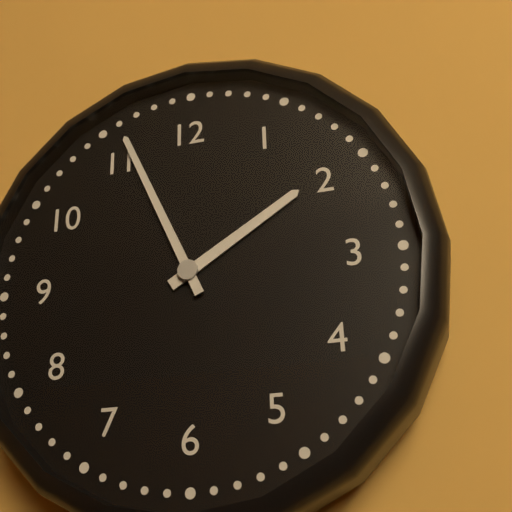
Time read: 1h56
